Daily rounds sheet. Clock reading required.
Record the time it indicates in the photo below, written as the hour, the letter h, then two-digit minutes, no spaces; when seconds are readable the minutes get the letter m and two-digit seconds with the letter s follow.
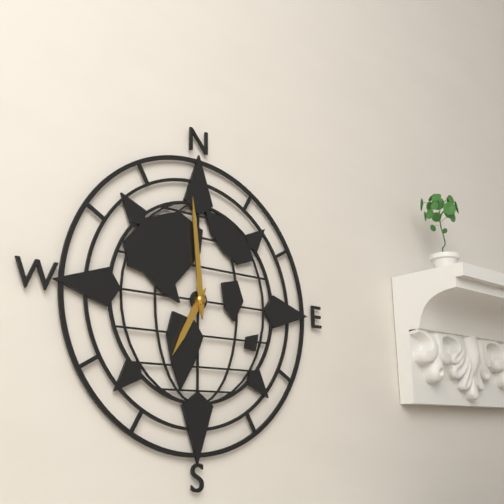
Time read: 6h59
